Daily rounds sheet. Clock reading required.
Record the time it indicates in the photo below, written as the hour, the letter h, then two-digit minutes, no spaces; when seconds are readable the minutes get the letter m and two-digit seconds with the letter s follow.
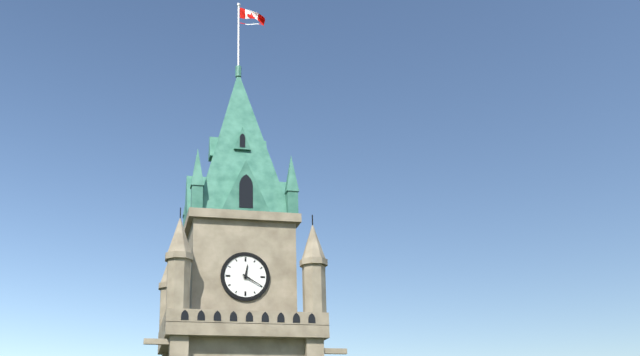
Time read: 12h20
